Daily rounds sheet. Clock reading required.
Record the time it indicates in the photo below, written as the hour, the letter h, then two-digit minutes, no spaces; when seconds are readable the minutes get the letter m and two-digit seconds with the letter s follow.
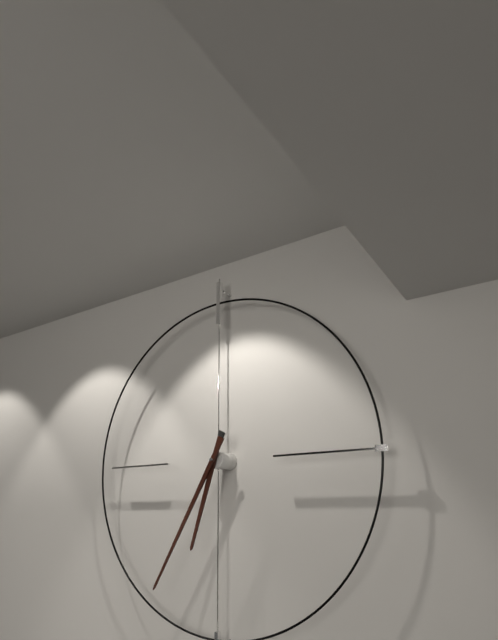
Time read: 6h35
